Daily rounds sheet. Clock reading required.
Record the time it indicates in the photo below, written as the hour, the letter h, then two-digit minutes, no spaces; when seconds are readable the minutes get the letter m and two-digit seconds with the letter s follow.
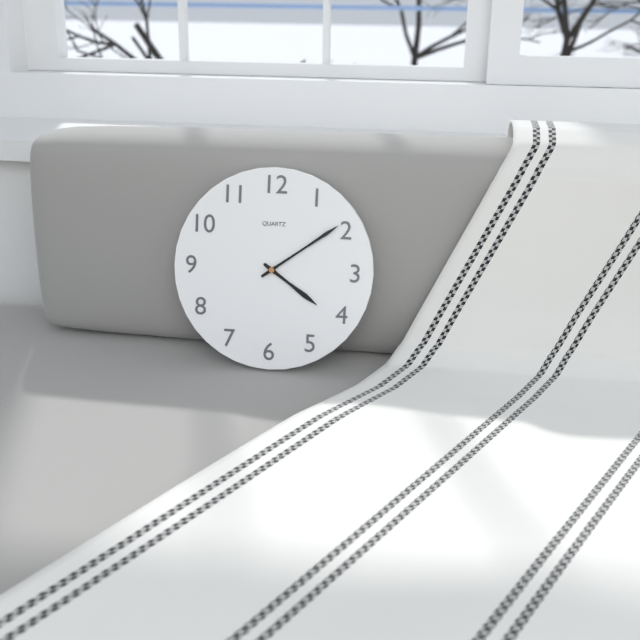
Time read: 4h09
